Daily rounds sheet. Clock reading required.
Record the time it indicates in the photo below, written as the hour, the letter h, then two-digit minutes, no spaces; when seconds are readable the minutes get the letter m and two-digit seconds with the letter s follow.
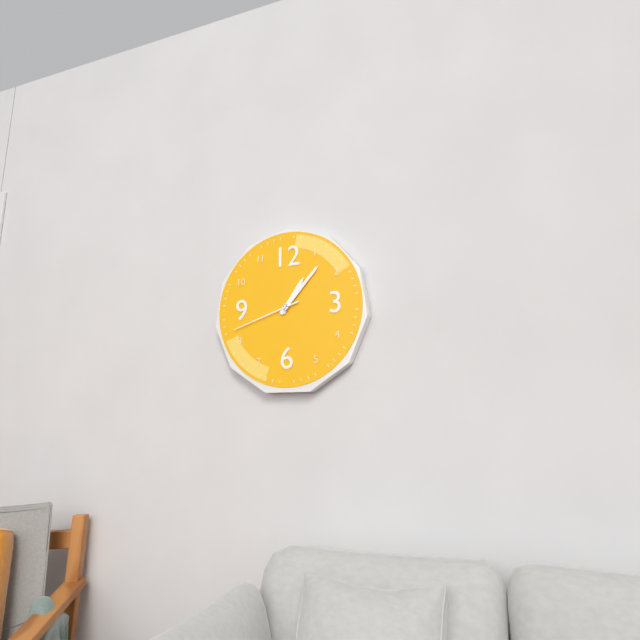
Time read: 1h07m42s
